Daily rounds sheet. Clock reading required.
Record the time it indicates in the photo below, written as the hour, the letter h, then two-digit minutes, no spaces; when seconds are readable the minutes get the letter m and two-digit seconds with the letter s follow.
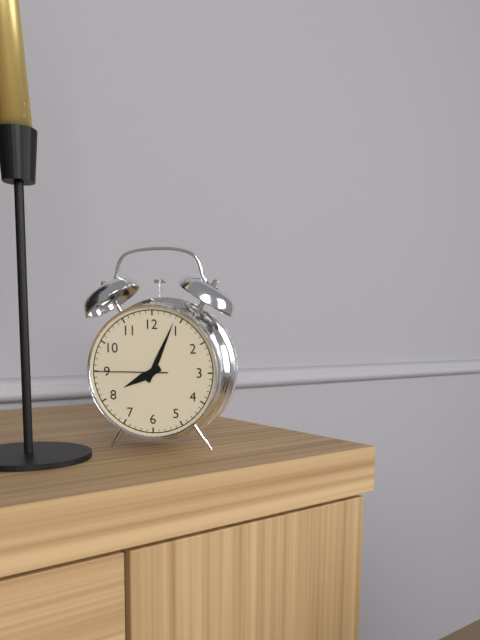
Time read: 8h04m45s
